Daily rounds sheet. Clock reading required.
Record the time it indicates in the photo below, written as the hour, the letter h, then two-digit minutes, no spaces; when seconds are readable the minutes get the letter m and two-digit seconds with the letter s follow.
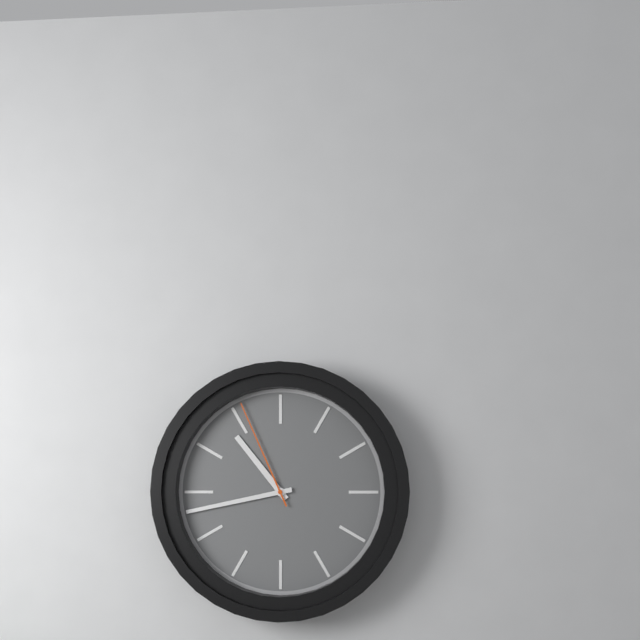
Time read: 10h43m56s
